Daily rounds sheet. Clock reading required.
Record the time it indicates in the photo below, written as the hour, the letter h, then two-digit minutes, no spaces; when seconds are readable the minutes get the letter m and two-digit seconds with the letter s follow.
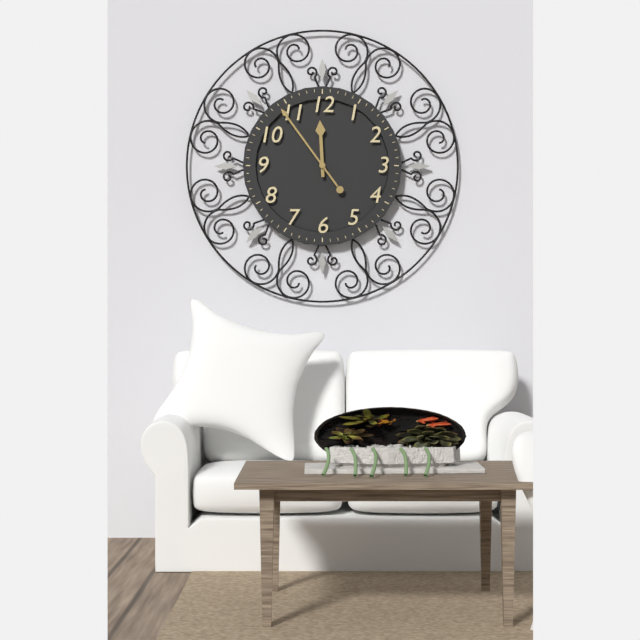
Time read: 11h54
